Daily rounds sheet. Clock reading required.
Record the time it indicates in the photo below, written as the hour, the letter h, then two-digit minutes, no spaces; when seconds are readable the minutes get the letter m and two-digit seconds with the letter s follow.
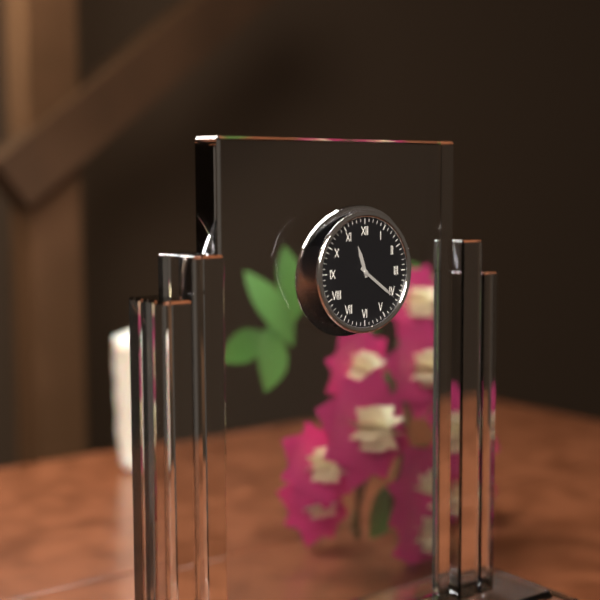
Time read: 11h21
